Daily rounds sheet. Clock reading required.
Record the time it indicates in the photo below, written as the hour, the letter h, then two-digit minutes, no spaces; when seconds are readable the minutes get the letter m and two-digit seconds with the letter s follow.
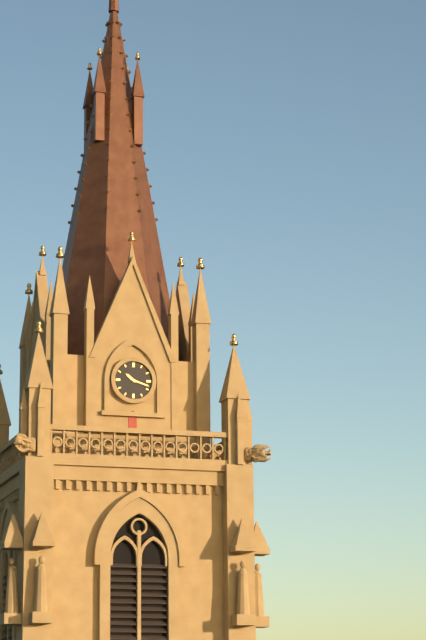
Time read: 10h18
